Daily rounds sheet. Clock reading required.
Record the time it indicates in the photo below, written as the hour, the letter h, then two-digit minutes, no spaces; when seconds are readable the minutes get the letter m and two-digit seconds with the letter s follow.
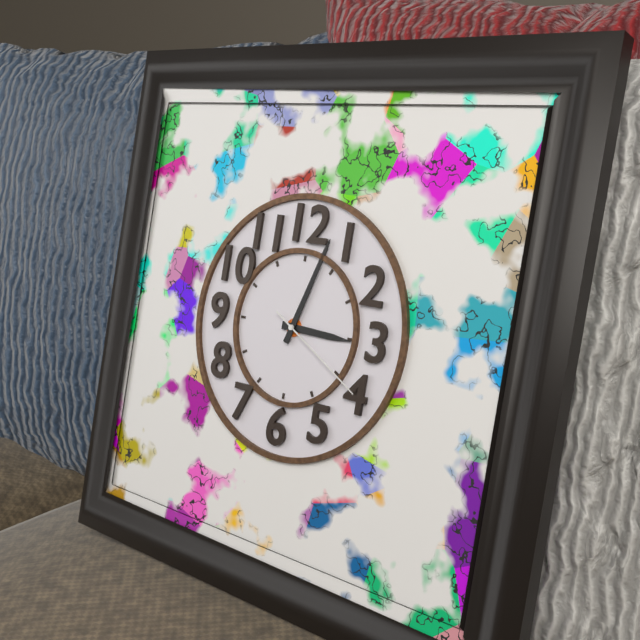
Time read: 3h03m20s
